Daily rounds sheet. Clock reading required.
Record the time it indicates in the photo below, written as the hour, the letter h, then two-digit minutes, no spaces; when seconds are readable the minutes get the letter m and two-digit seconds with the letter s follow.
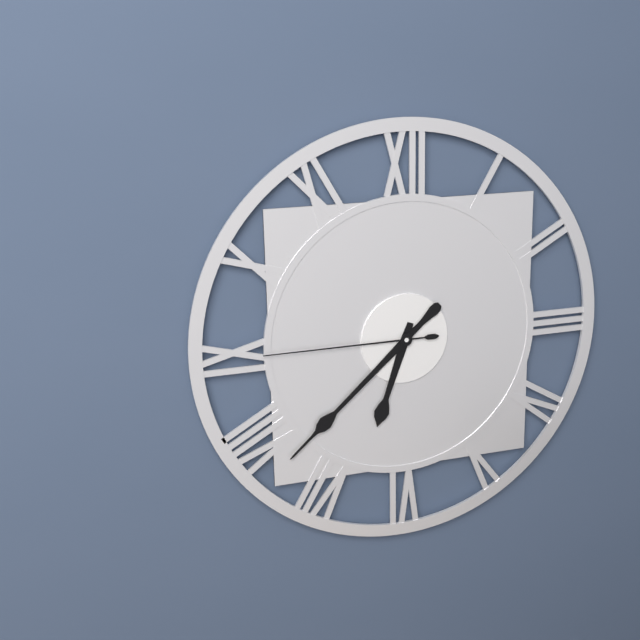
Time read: 6h38m45s
